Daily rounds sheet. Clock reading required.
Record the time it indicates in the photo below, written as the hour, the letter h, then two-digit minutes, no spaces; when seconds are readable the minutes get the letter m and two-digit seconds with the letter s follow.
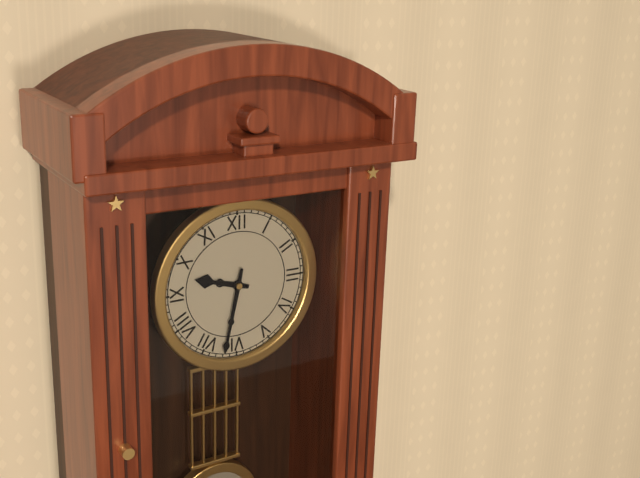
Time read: 9h32
